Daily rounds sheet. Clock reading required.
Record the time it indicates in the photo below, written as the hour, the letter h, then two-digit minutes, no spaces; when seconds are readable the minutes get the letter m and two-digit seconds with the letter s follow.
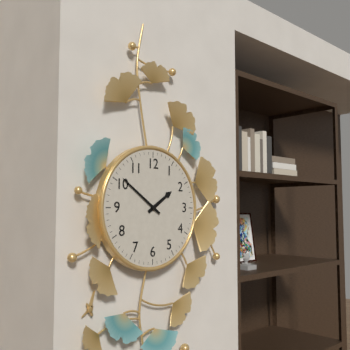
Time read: 1h51
